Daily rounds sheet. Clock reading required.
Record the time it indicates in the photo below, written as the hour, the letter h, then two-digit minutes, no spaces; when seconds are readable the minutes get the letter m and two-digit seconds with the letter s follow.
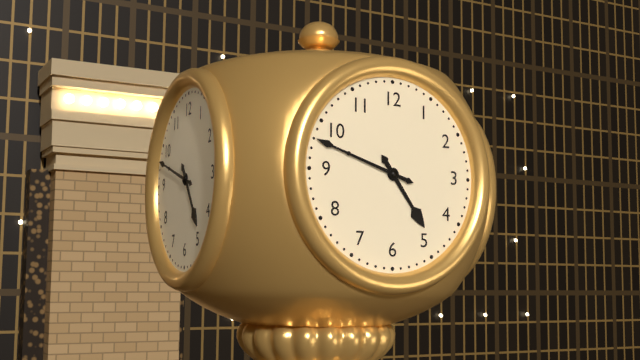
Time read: 4h48
